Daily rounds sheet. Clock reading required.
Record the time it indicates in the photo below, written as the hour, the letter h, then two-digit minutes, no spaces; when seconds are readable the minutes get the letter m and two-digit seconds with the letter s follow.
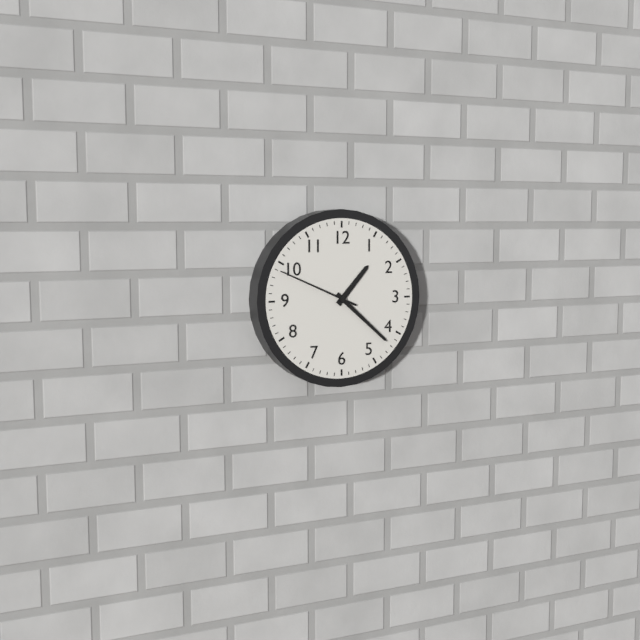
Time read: 1h22m49s
